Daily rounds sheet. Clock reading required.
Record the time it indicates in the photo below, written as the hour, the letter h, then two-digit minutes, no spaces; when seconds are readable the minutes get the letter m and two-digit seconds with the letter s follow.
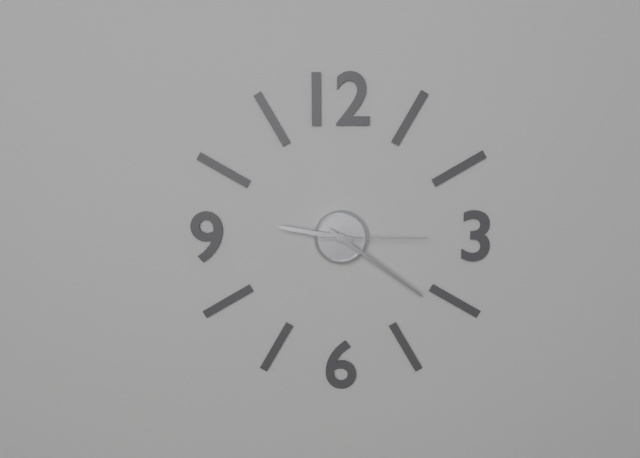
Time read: 9h21m15s
